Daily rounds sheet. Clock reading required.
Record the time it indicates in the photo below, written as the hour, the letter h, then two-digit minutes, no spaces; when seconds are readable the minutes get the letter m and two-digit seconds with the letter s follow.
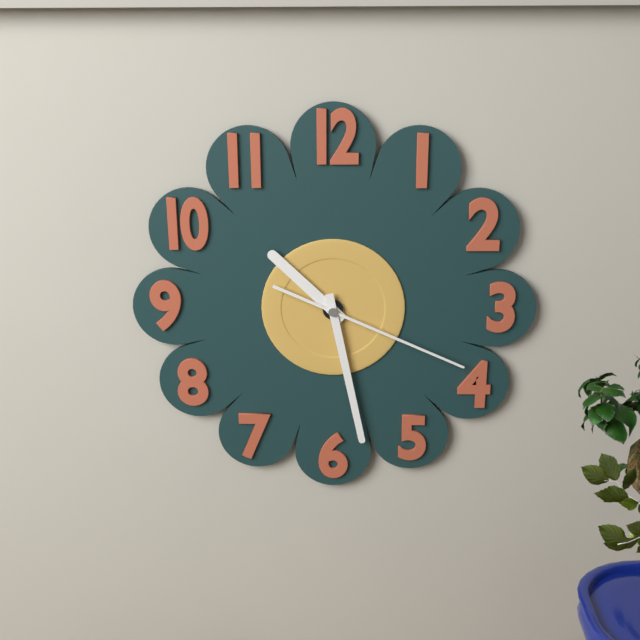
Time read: 10h28m19s
